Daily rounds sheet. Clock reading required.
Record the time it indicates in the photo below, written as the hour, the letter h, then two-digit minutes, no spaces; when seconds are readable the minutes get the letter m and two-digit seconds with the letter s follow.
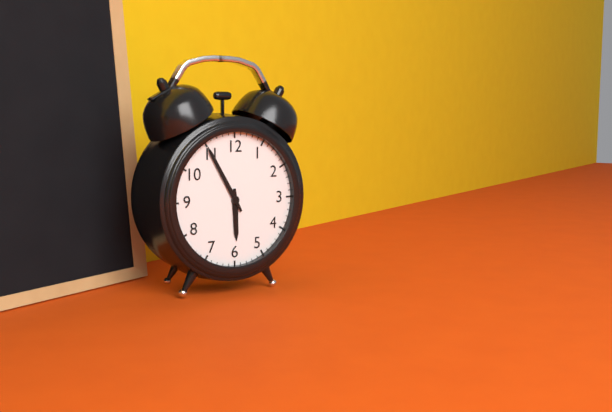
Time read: 5h55
